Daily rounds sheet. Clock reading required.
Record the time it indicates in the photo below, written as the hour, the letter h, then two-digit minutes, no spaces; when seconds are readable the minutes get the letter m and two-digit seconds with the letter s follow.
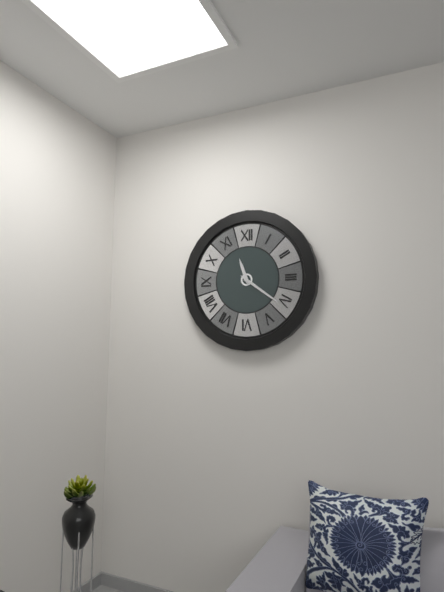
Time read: 11h21
